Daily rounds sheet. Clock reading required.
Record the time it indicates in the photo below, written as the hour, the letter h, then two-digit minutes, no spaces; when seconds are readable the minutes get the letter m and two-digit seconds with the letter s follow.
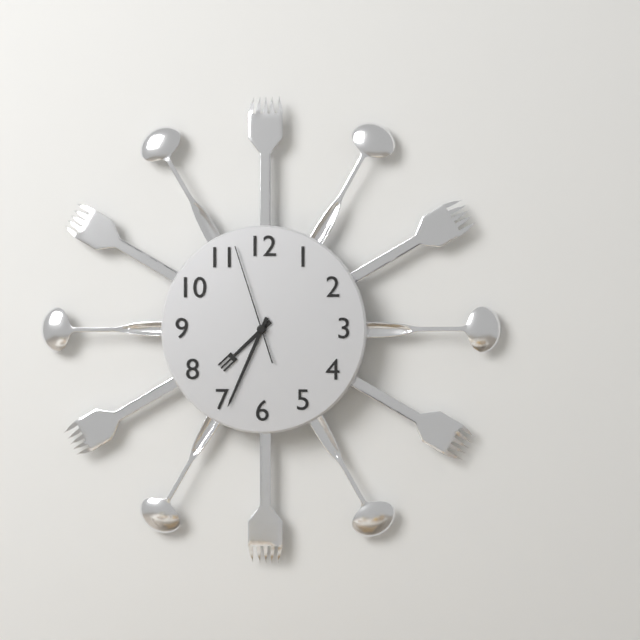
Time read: 7h34m57s
